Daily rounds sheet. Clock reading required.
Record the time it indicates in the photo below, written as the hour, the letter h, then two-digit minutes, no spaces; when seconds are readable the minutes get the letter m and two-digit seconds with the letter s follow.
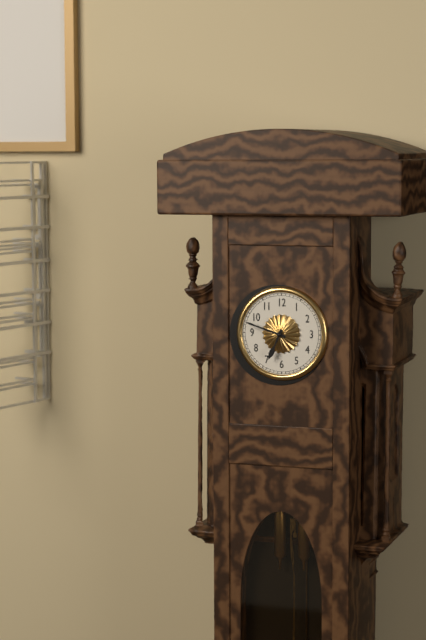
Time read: 6h48
